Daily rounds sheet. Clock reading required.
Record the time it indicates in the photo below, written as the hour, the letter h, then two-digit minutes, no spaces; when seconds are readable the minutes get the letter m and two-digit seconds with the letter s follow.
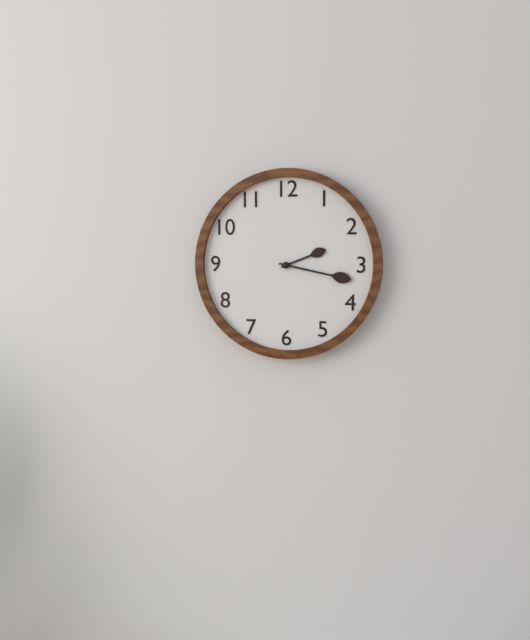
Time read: 2h17
